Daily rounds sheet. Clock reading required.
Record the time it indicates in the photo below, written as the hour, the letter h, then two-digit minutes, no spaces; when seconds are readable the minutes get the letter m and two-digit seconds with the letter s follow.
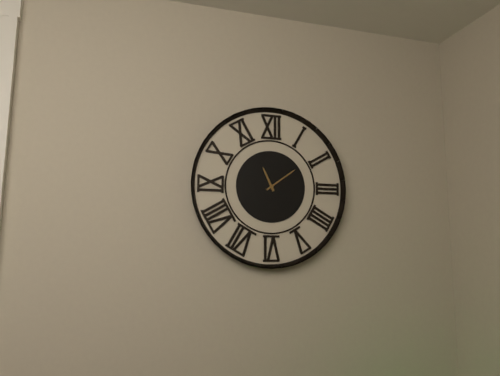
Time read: 11h09
